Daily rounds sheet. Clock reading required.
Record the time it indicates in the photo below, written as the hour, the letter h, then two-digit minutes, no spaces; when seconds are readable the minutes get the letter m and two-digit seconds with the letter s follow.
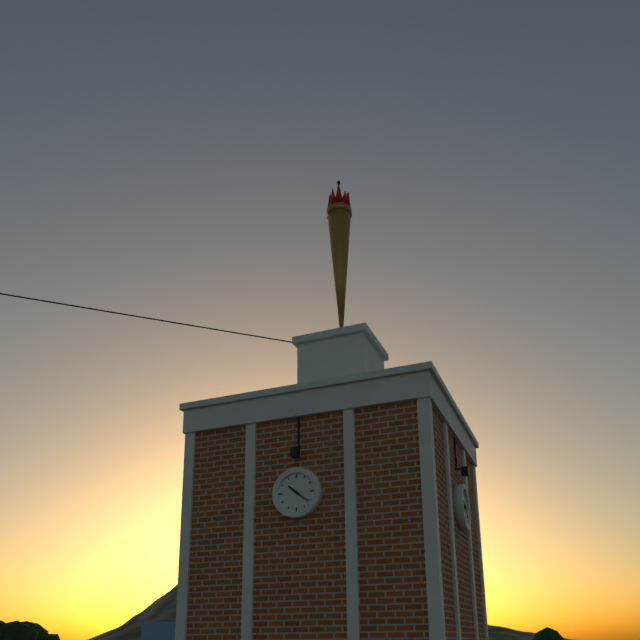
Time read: 10h21
